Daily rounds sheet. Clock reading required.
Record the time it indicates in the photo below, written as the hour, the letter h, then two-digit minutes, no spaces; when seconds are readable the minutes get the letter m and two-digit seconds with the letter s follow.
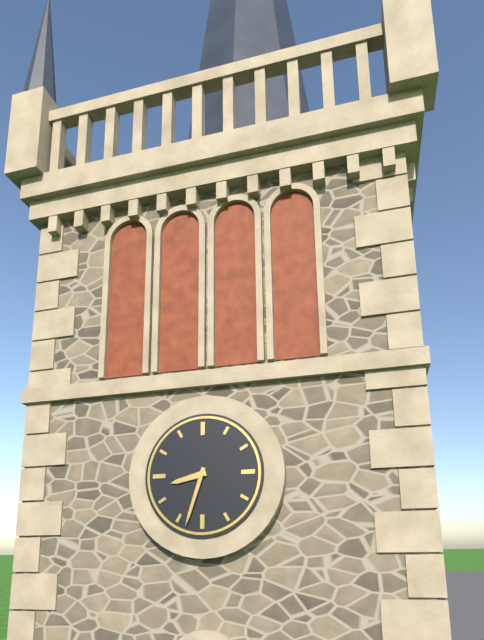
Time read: 8h33
